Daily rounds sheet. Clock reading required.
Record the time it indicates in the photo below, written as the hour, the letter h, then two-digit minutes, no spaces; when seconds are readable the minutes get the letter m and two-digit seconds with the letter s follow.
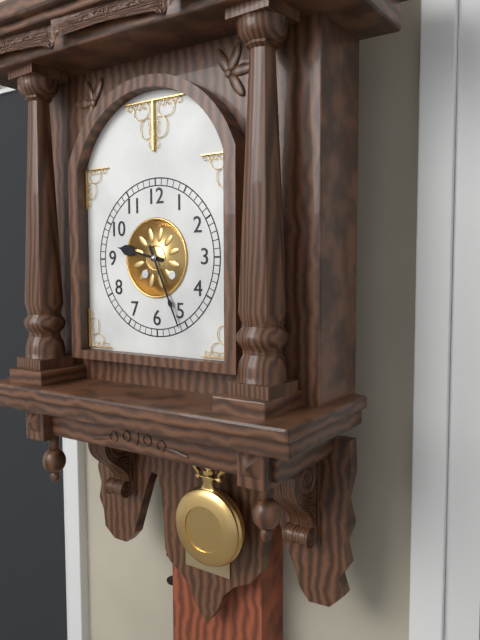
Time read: 9h26
